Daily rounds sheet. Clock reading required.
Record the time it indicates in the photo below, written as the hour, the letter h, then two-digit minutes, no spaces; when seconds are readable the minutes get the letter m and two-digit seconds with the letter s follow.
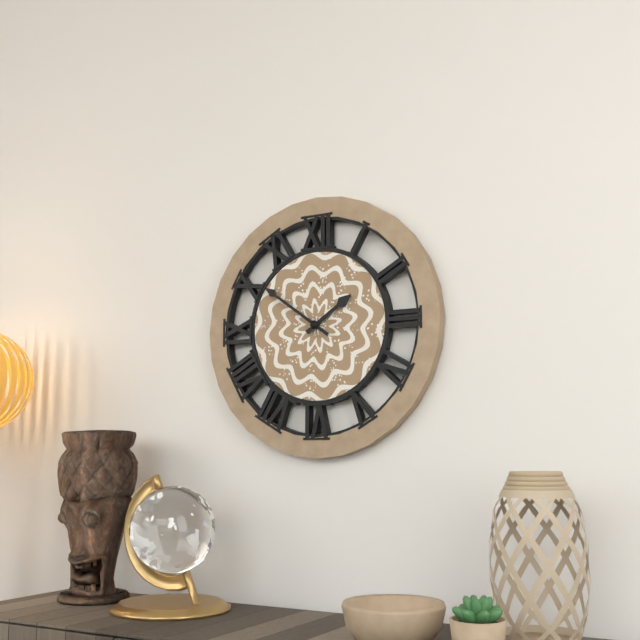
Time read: 1h51
